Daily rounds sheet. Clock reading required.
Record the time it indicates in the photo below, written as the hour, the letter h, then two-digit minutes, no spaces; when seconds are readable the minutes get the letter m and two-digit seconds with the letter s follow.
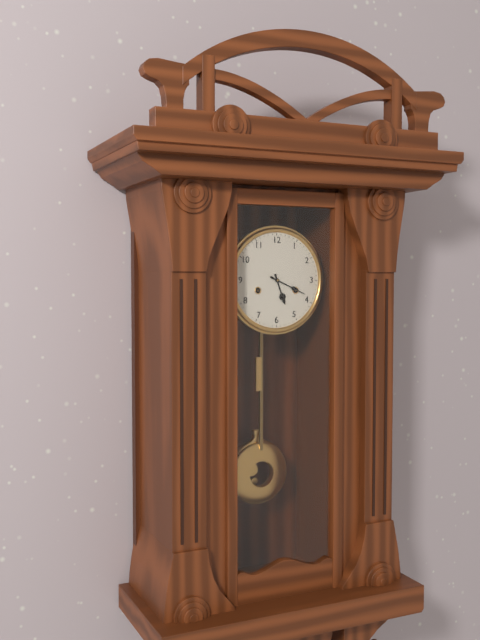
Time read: 5h19
